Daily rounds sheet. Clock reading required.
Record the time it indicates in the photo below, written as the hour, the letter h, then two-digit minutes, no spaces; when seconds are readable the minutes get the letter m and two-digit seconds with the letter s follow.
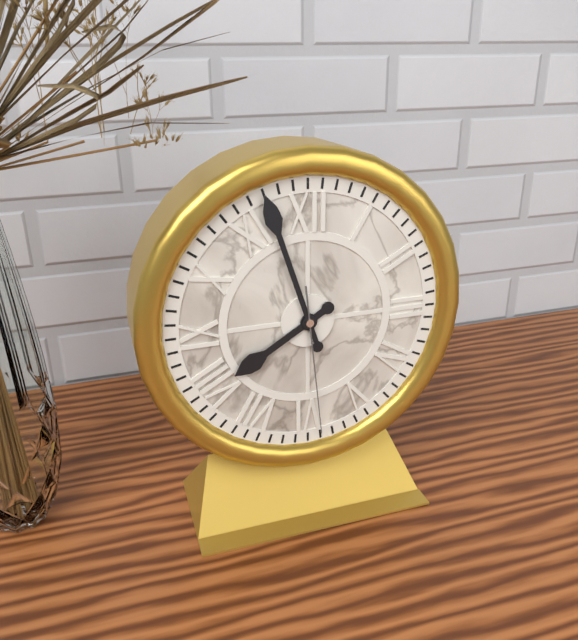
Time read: 7h57m29s
